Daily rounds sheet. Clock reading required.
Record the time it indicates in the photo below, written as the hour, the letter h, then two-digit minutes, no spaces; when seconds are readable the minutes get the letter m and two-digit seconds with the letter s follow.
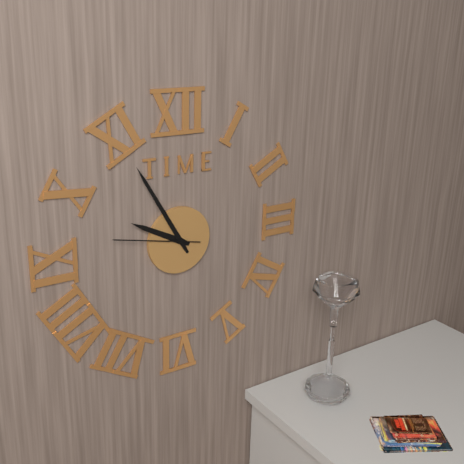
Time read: 9h55m47s
